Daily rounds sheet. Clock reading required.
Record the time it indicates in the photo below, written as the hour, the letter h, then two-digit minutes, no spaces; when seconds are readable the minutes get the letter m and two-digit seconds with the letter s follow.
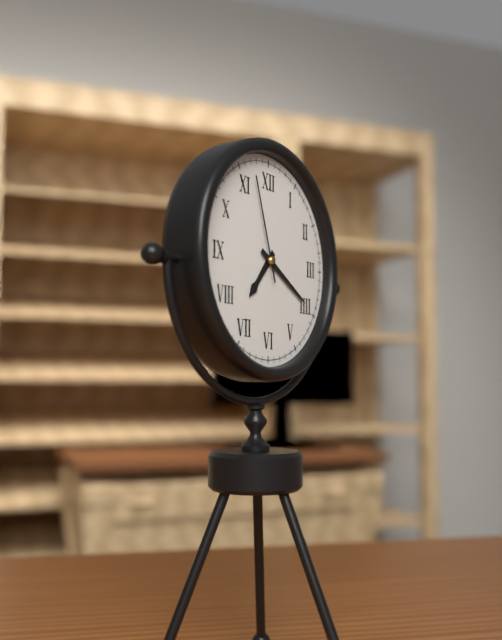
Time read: 7h20m57s
